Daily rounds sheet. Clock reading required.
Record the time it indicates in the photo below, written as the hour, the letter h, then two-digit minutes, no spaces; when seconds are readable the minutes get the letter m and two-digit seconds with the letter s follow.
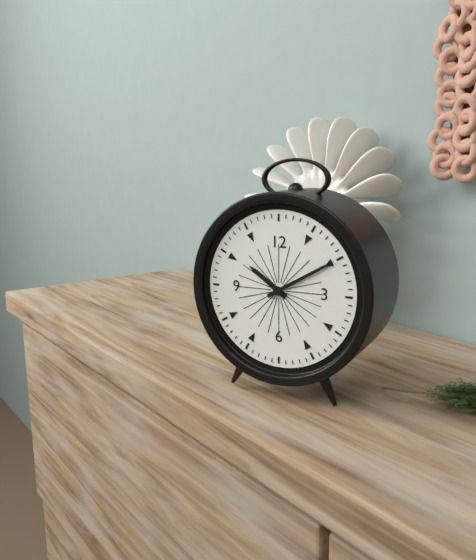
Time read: 10h10
